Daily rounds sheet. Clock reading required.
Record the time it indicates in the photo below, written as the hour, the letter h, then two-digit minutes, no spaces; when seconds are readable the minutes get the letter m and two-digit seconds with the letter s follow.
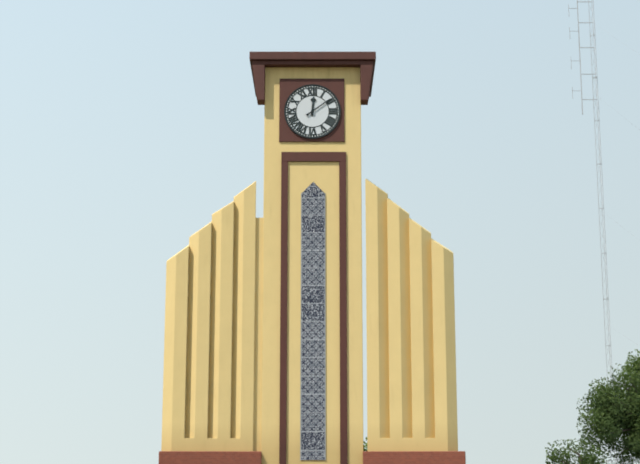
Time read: 12h09
